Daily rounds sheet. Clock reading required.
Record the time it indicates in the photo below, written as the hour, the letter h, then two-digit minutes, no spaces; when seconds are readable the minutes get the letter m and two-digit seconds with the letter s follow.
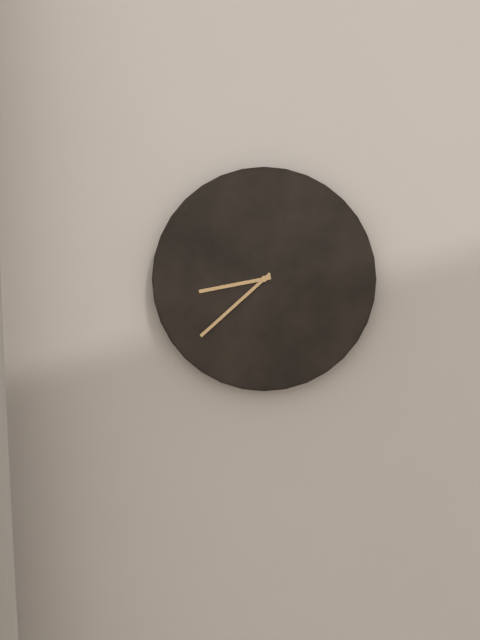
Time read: 8h38
